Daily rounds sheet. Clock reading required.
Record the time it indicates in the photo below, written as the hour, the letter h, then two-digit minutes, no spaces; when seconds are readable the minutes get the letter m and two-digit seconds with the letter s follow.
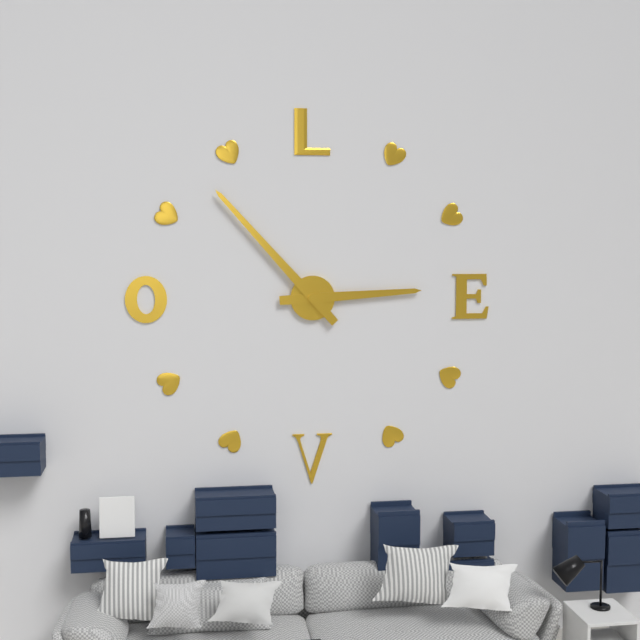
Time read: 2h53
